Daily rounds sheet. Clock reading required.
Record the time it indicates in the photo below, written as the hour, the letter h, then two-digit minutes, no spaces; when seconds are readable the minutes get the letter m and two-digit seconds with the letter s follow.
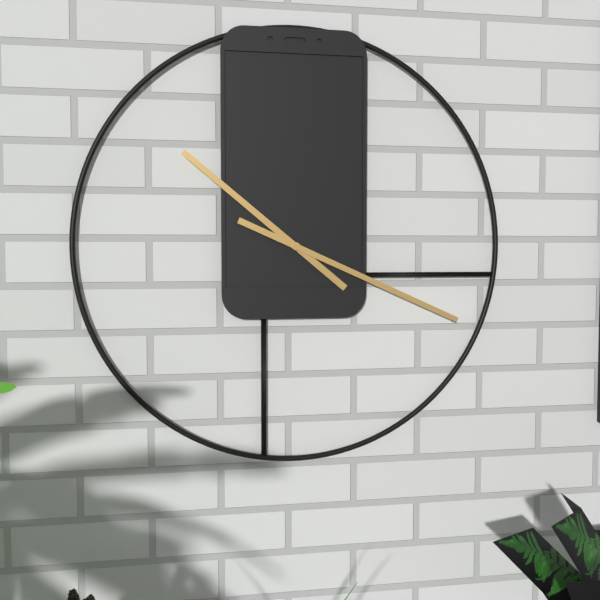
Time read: 10h19
